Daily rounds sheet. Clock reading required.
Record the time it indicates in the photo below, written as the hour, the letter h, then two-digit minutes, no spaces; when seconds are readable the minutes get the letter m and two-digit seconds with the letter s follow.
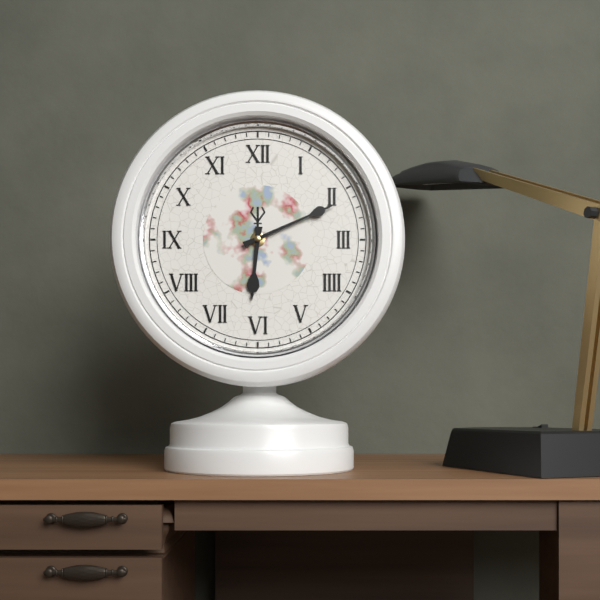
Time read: 6h11
